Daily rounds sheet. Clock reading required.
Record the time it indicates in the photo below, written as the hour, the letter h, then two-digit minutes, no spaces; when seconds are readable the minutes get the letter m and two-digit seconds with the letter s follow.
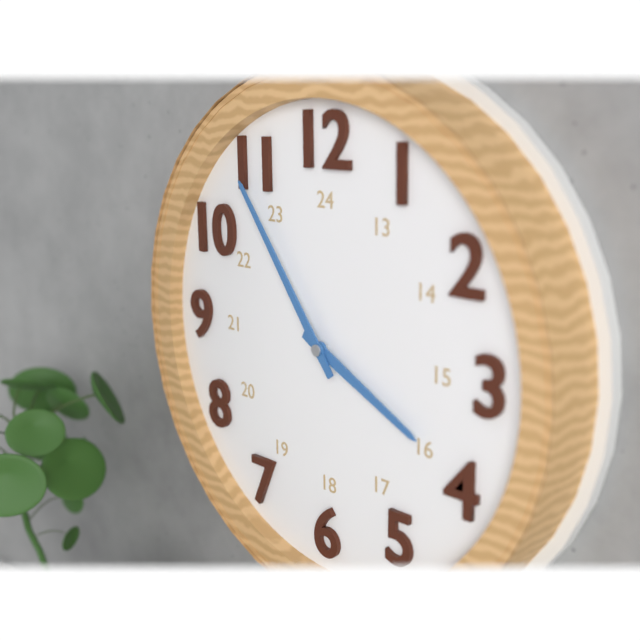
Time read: 3h54
